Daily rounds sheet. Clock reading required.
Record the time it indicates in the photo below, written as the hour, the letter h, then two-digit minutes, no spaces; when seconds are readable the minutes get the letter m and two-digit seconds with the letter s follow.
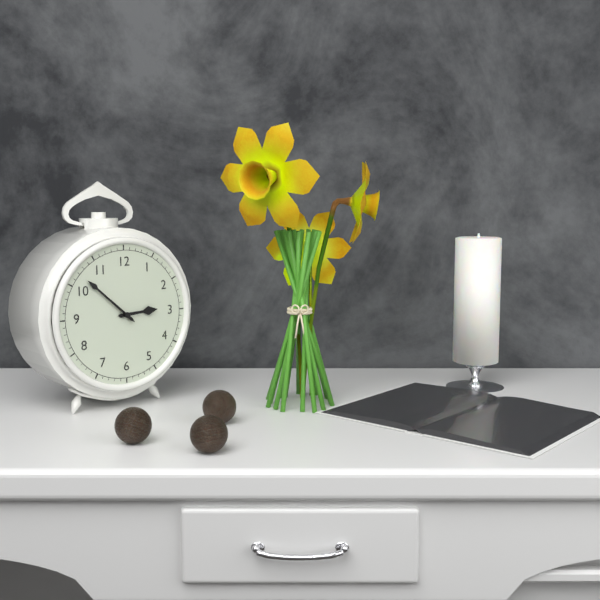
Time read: 2h52
